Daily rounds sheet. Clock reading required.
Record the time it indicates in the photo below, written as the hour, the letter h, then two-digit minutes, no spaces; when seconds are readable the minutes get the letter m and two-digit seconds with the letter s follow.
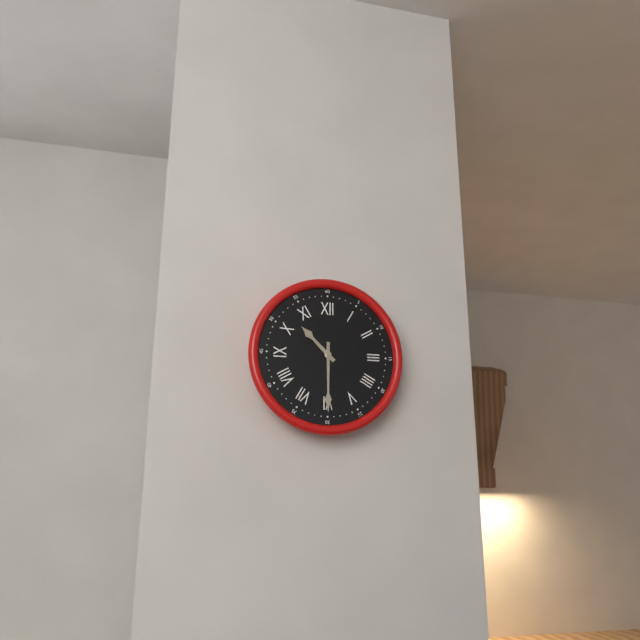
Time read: 10h30
